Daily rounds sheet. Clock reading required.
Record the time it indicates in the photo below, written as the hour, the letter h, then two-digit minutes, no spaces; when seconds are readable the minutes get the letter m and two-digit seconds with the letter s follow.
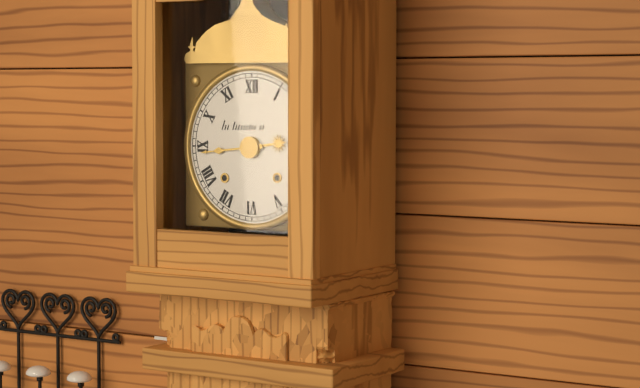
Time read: 2h44
